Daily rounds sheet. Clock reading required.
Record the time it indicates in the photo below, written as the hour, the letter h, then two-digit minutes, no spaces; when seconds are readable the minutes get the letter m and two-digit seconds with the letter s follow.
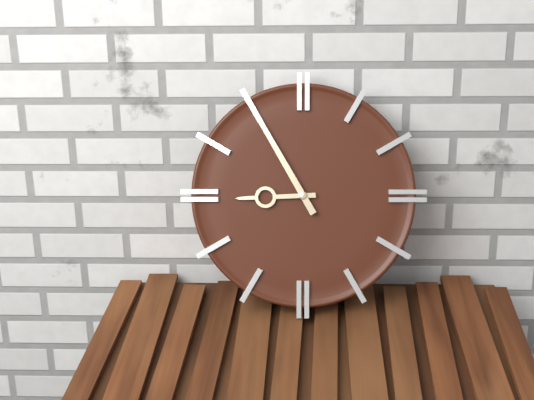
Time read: 8h55
